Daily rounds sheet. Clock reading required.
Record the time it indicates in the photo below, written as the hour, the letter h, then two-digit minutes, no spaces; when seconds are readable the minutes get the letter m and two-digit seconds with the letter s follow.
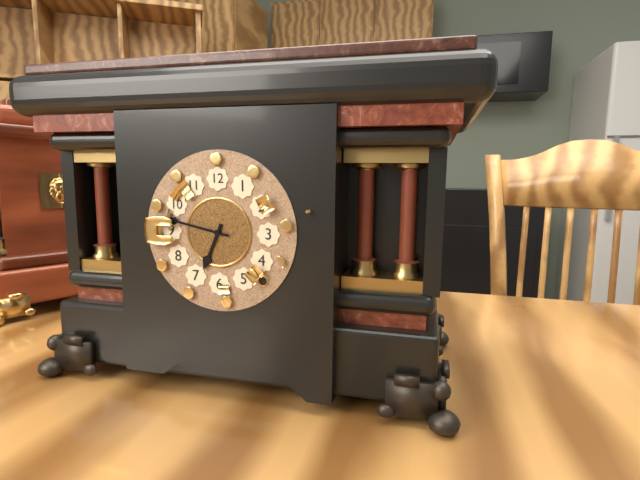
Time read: 6h47
